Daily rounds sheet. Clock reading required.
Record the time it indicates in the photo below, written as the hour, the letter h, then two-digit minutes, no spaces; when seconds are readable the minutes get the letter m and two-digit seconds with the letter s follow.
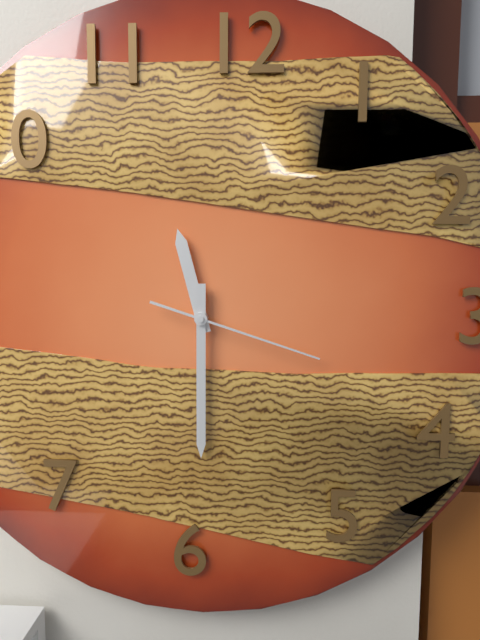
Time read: 11h30m18s
